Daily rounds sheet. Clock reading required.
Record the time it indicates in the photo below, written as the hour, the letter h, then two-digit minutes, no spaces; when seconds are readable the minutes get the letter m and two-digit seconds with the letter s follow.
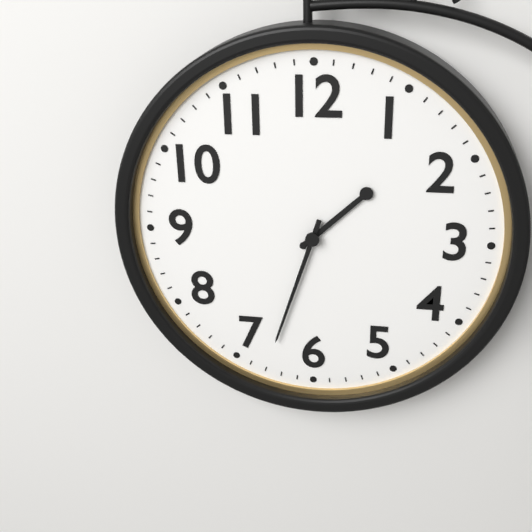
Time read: 1h33
